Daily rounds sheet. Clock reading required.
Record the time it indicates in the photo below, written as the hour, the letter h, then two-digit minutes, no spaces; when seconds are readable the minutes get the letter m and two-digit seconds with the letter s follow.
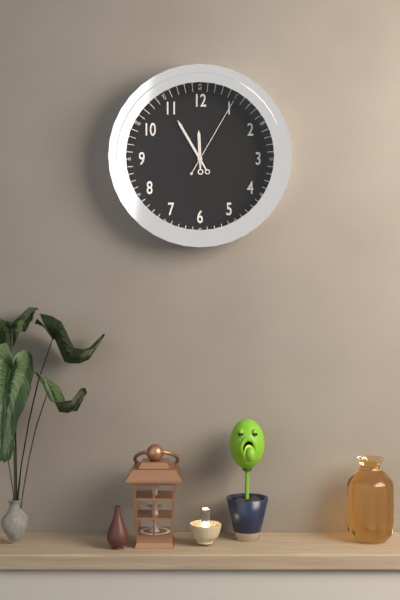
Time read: 11h55m05s
